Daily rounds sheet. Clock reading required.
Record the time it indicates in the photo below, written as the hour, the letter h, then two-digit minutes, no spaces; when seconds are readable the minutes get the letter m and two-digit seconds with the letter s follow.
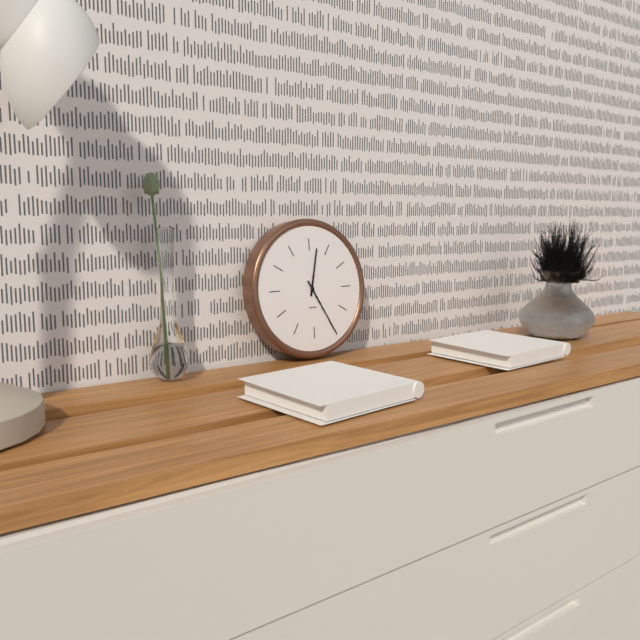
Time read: 12h25
